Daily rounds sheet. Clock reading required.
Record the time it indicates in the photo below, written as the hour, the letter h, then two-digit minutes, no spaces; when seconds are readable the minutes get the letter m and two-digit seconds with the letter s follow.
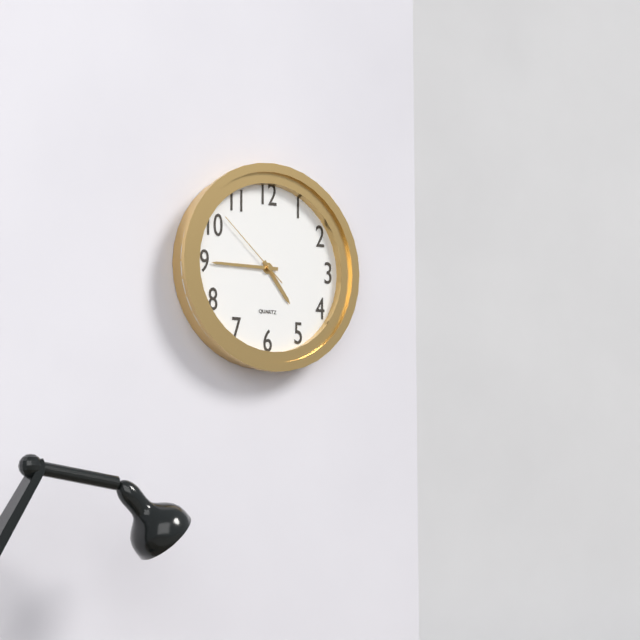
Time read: 4h45m52s
